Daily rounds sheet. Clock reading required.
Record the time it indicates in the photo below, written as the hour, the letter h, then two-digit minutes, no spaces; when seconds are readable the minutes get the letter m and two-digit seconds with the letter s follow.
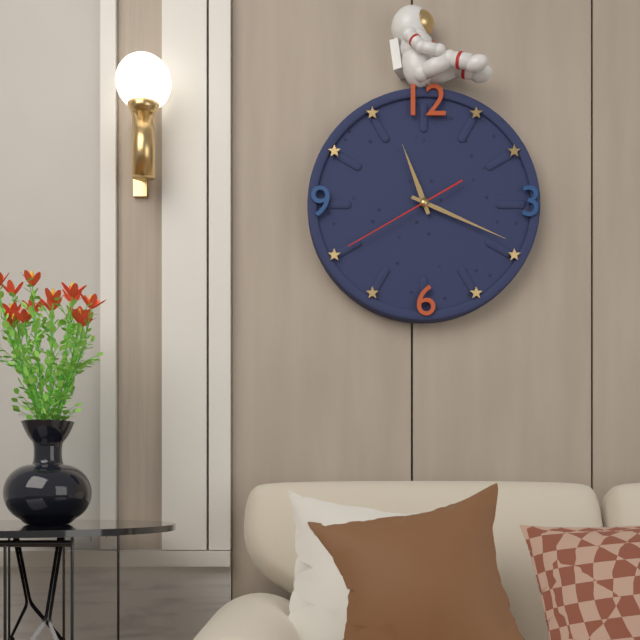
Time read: 11h19m40s
